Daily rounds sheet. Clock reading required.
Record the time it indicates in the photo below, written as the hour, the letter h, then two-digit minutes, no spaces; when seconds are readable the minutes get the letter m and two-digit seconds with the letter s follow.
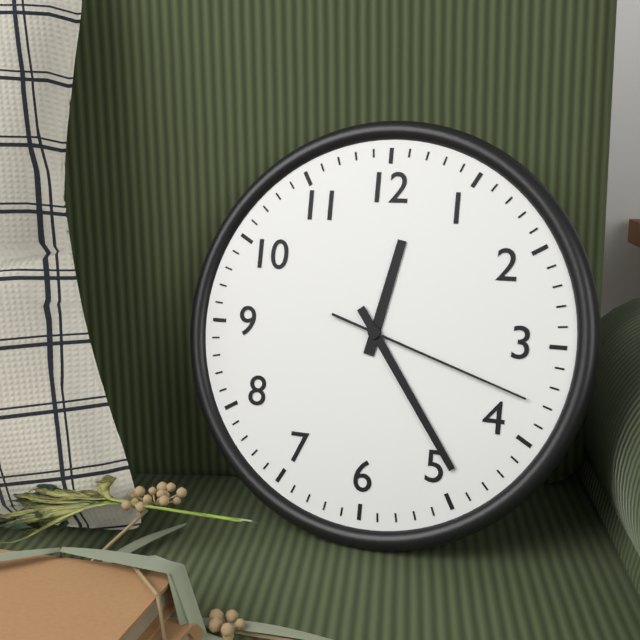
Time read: 12h24m18s
